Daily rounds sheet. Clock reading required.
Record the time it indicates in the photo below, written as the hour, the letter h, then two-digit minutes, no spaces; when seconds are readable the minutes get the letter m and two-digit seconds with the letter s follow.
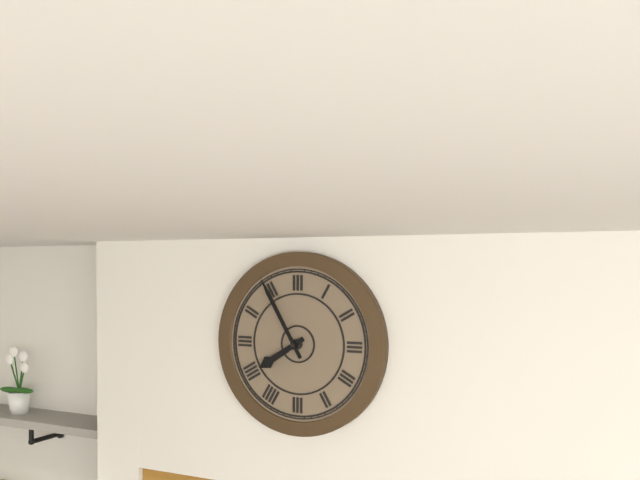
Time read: 7h55
